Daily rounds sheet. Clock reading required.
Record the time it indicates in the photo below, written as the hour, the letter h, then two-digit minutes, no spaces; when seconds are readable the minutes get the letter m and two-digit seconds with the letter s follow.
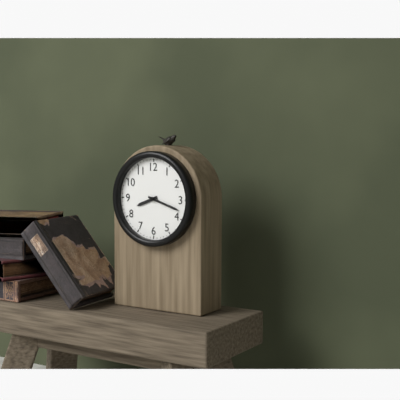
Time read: 8h18
